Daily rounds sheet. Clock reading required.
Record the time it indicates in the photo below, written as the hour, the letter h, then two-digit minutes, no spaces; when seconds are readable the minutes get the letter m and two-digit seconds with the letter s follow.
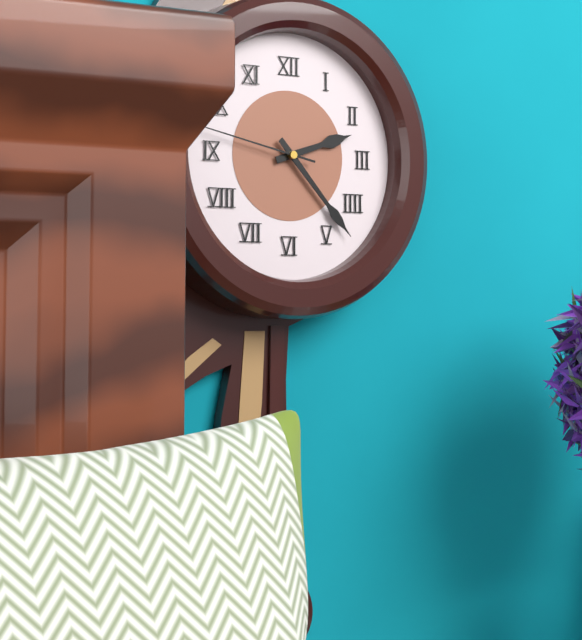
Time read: 2h23m47s
